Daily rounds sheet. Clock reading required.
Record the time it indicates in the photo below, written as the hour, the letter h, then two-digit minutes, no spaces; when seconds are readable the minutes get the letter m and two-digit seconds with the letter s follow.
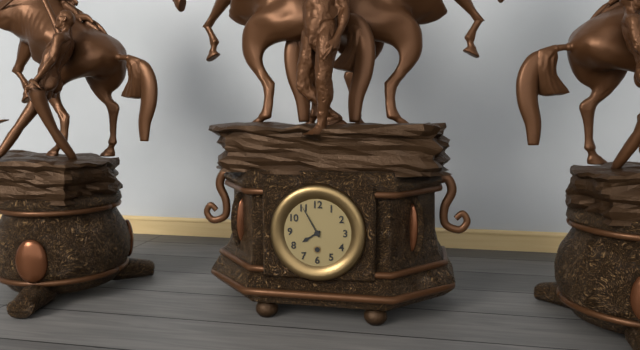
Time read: 7h55
